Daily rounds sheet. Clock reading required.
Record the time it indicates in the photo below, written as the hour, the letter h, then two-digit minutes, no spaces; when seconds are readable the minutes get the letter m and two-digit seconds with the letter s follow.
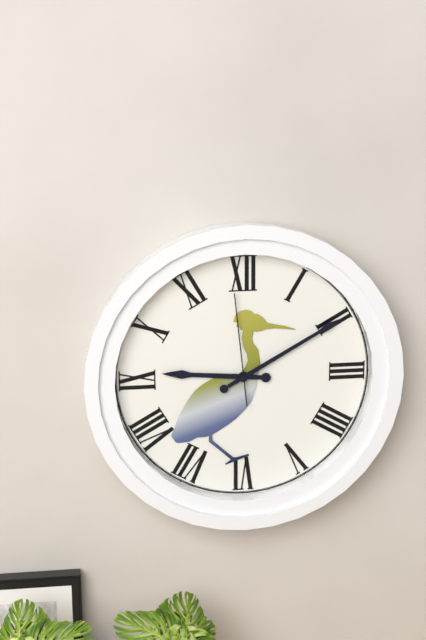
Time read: 9h10m59s
